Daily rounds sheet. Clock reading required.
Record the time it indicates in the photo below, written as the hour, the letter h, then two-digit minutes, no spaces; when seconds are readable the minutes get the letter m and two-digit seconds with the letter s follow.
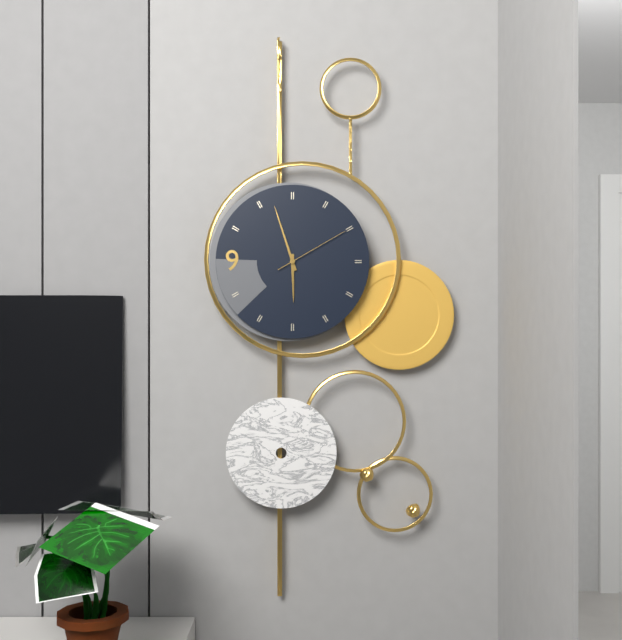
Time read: 5h57m10s
